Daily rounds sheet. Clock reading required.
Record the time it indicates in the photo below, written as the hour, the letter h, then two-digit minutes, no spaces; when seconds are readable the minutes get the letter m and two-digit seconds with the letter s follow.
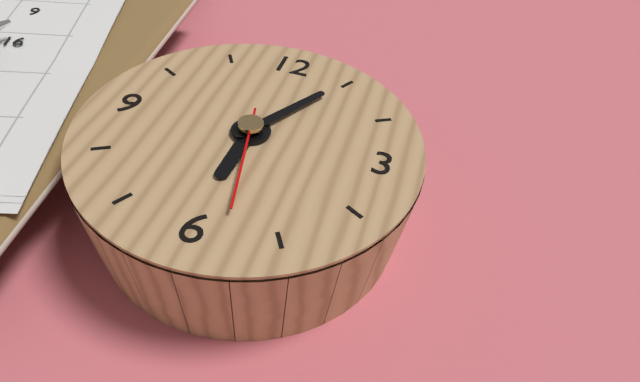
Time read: 6h05m28s
